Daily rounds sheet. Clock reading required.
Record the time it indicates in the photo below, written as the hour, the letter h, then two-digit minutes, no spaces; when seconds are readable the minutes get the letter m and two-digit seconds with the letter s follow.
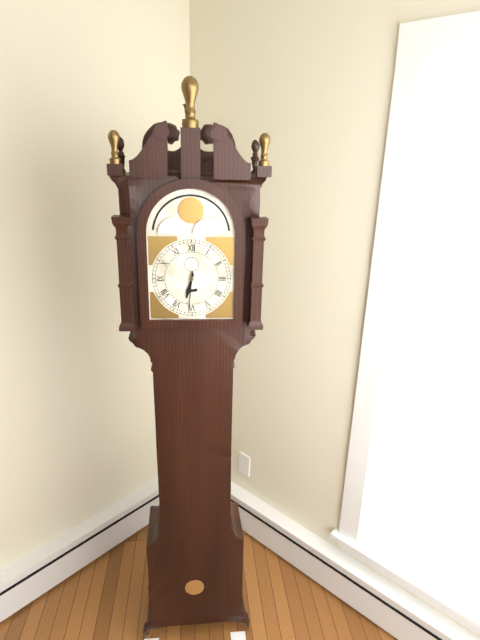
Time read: 6h31
